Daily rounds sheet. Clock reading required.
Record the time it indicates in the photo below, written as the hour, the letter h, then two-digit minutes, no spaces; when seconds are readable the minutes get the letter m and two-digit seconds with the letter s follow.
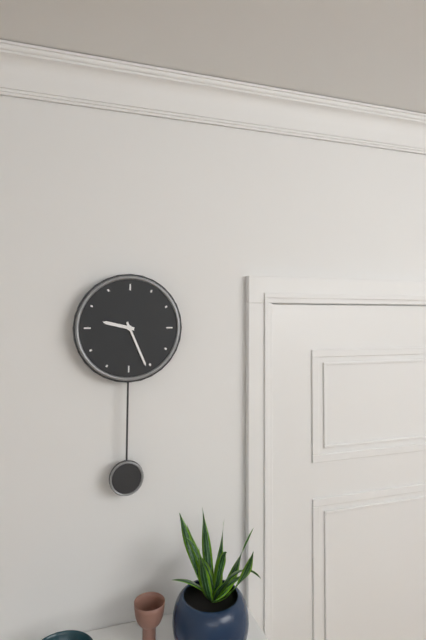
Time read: 9h26
